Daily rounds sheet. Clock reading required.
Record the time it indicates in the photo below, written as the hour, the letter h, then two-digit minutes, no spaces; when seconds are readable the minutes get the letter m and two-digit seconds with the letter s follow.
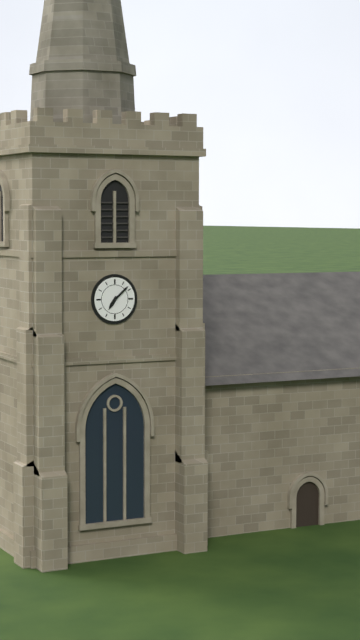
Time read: 7h08
